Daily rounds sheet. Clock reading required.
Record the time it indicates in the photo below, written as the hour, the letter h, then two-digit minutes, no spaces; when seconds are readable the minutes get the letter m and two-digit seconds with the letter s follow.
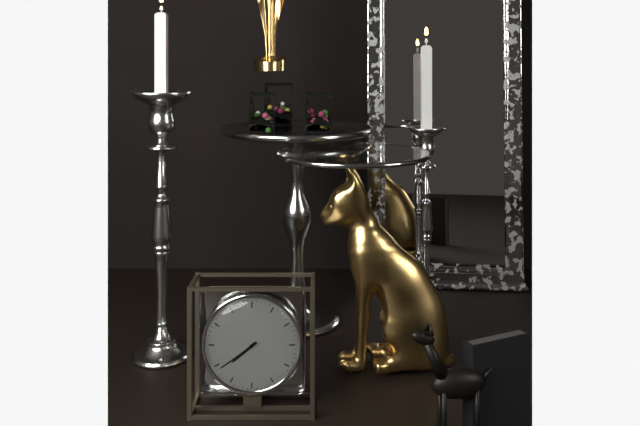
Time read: 7h39
